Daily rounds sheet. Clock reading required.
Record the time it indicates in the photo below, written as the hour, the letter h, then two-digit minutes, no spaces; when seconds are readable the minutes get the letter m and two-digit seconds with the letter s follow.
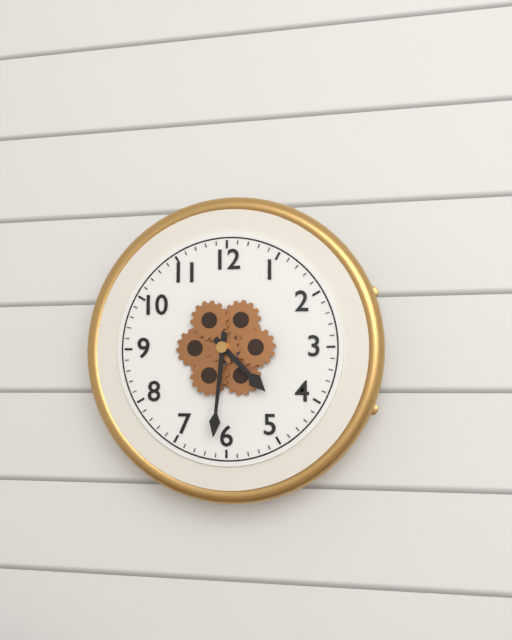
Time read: 4h31
